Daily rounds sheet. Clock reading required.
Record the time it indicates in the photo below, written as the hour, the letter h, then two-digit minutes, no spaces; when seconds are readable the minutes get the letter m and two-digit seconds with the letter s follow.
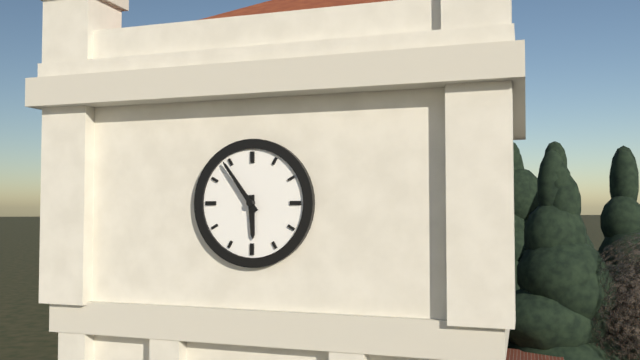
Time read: 5h54
